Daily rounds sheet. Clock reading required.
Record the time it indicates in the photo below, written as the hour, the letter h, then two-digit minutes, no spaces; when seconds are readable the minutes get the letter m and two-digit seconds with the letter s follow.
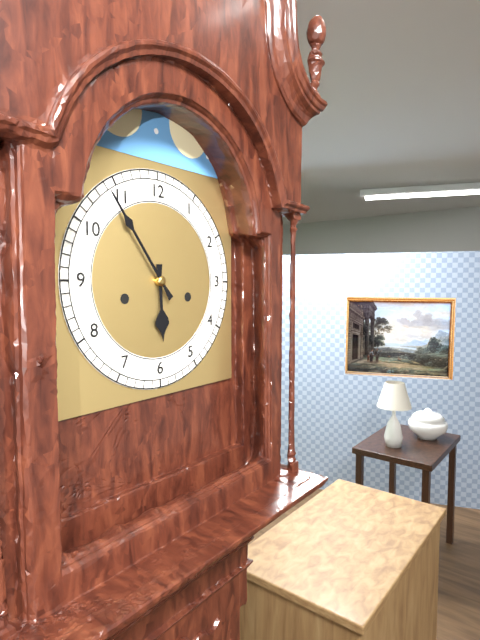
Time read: 5h54
